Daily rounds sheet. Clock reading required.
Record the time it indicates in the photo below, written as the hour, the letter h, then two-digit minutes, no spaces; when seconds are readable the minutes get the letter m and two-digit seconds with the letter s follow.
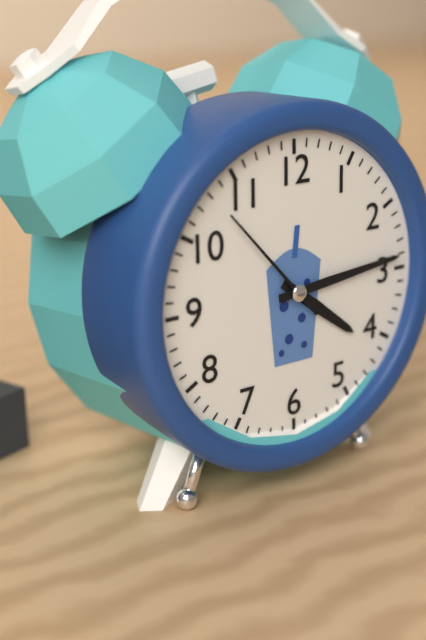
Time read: 4h14m53s
